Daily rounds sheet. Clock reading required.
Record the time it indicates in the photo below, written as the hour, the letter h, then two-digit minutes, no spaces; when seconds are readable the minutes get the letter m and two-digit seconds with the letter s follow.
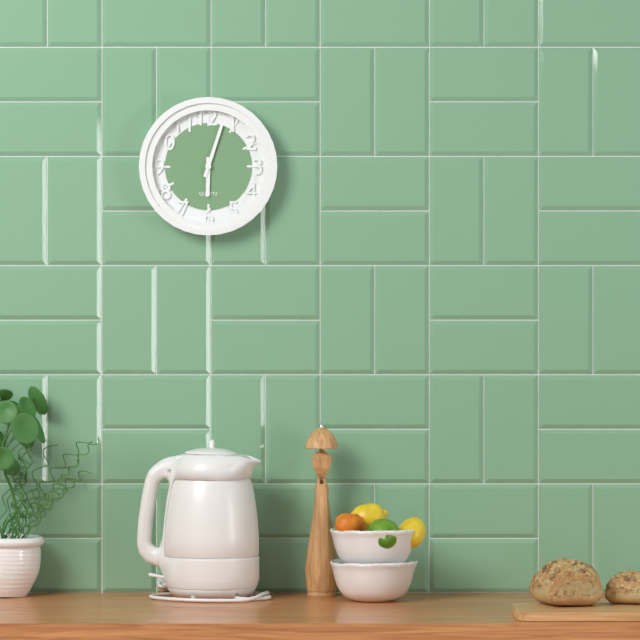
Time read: 6h03
